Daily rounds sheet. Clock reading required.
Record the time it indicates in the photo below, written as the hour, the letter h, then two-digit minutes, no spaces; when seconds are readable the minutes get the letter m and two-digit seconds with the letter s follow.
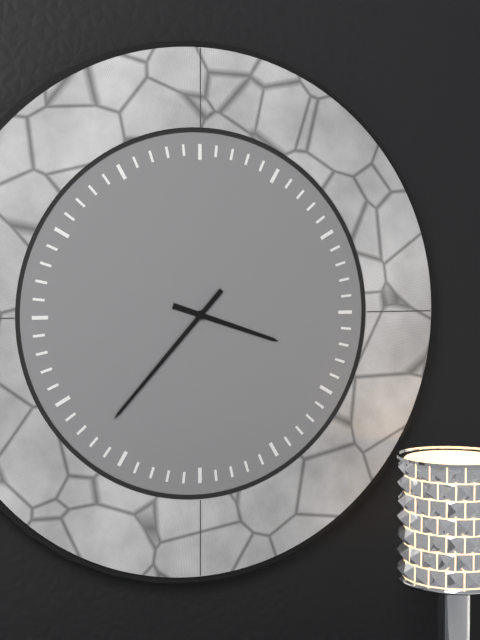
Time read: 3h37
